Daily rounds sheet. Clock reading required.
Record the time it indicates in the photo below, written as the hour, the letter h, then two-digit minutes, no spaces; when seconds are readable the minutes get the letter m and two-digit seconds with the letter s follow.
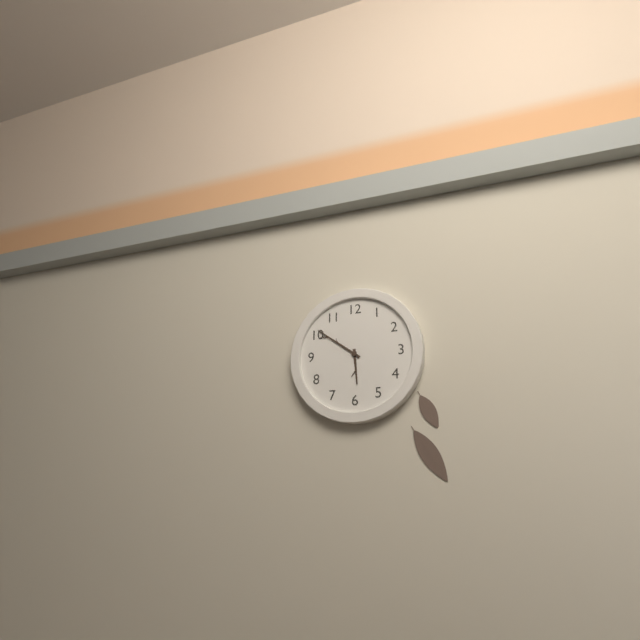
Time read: 5h51
